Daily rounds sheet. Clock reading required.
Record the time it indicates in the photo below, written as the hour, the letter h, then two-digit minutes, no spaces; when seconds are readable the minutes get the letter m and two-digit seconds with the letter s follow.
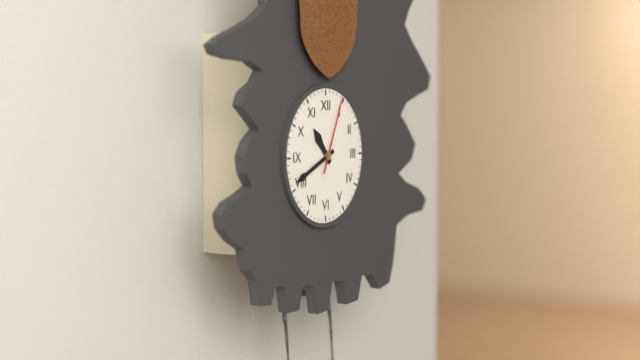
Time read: 10h41m04s
